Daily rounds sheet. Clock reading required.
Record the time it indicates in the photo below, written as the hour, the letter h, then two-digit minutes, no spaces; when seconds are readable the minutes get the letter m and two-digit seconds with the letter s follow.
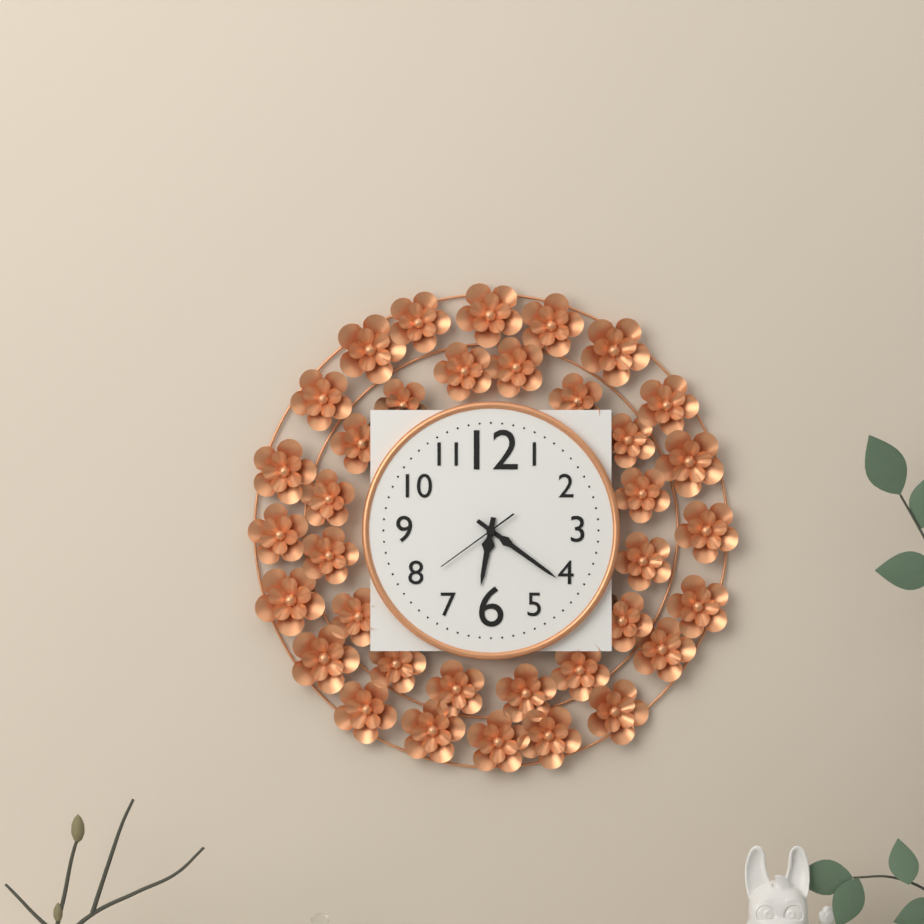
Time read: 6h21m39s
